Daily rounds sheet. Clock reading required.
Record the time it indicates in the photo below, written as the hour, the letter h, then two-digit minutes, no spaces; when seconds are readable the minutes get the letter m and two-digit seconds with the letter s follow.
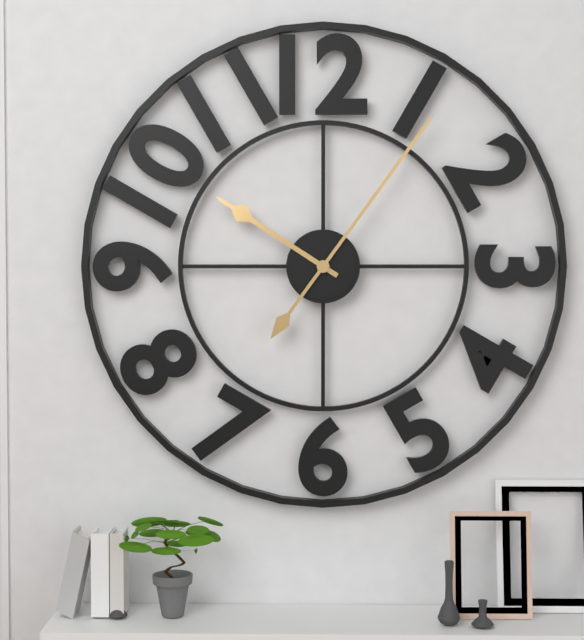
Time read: 10h06
